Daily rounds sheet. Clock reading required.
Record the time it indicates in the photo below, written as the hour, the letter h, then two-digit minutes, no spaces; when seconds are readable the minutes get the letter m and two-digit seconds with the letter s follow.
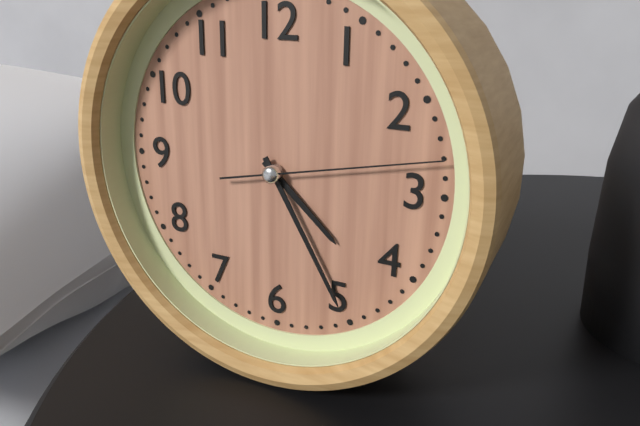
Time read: 4h25m13s
